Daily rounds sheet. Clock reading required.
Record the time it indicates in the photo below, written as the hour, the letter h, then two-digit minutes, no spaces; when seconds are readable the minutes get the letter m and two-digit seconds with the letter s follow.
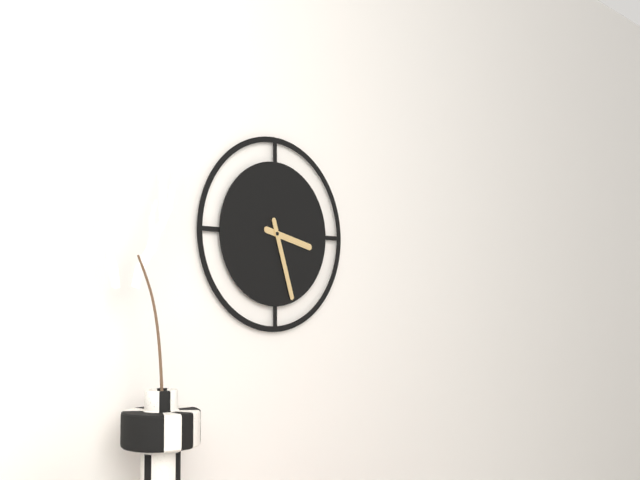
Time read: 3h27
